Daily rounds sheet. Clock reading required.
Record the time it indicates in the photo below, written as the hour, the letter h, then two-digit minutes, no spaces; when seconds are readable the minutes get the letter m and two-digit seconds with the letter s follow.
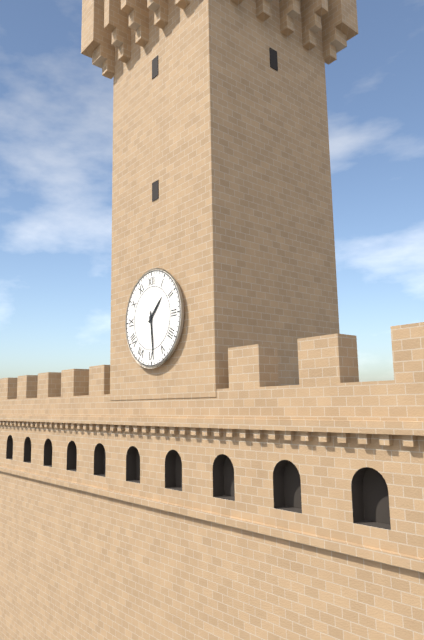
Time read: 1h29
